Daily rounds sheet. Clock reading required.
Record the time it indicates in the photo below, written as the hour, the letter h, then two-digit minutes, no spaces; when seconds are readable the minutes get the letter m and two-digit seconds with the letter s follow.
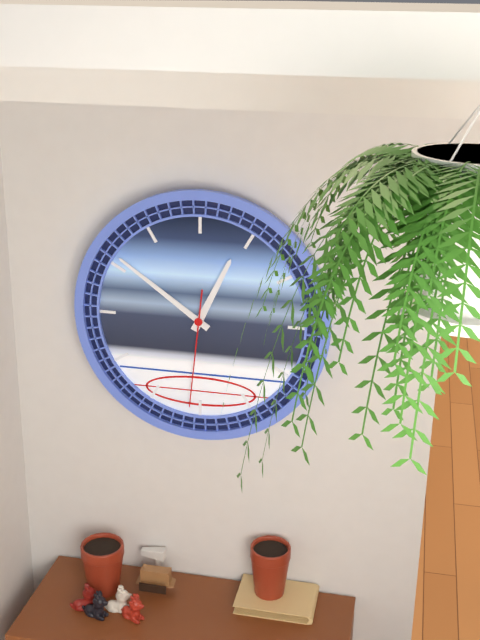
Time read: 12h51m31s
